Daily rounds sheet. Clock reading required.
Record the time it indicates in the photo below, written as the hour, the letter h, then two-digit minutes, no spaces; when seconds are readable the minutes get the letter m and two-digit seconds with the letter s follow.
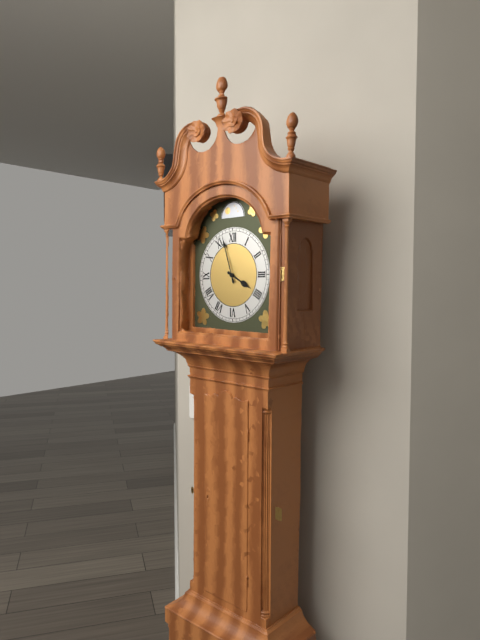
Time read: 3h57
